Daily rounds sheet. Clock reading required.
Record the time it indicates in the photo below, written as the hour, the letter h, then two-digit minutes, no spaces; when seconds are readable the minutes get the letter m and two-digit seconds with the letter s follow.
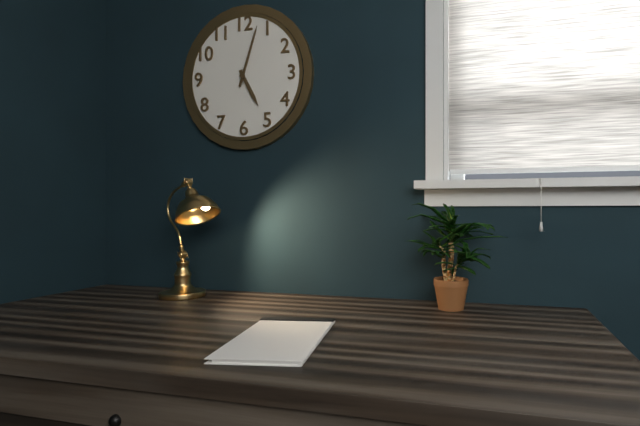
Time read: 5h03
